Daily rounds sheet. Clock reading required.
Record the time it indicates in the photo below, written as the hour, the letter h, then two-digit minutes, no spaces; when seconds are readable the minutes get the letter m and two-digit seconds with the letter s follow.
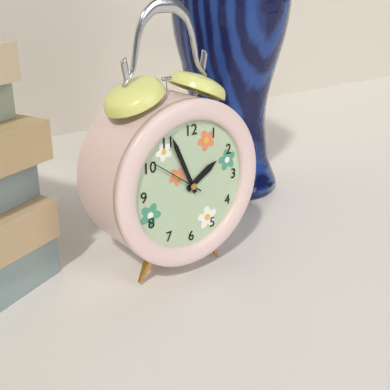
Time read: 1h56m51s
